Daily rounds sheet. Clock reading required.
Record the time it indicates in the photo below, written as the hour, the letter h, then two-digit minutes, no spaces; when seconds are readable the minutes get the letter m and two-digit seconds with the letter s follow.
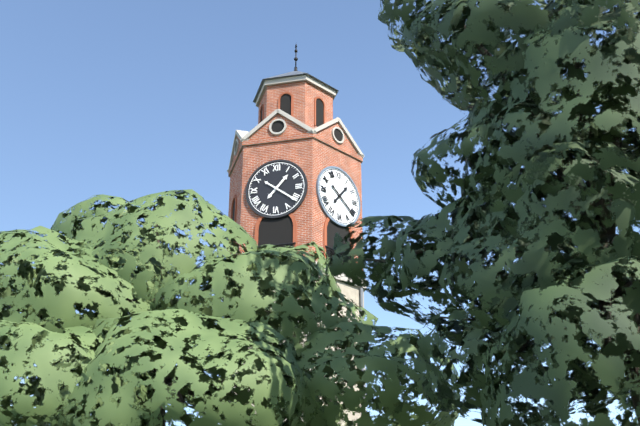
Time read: 1h21
